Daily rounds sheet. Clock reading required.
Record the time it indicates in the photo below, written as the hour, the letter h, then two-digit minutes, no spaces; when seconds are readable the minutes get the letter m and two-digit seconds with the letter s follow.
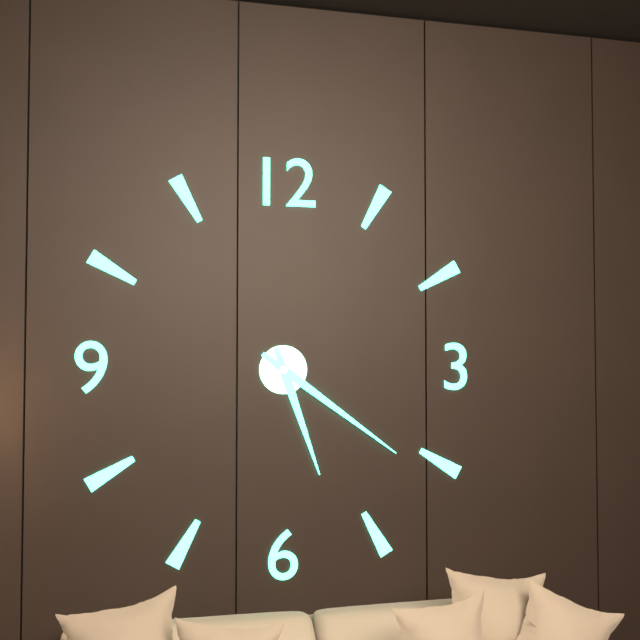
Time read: 5h21
